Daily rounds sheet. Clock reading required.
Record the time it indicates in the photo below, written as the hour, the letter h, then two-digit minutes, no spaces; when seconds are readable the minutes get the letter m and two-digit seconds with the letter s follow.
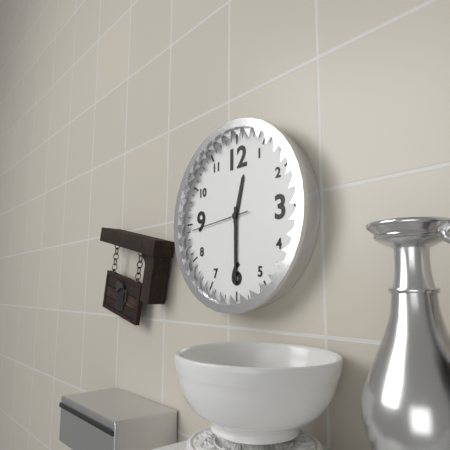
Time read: 12h30m44s
